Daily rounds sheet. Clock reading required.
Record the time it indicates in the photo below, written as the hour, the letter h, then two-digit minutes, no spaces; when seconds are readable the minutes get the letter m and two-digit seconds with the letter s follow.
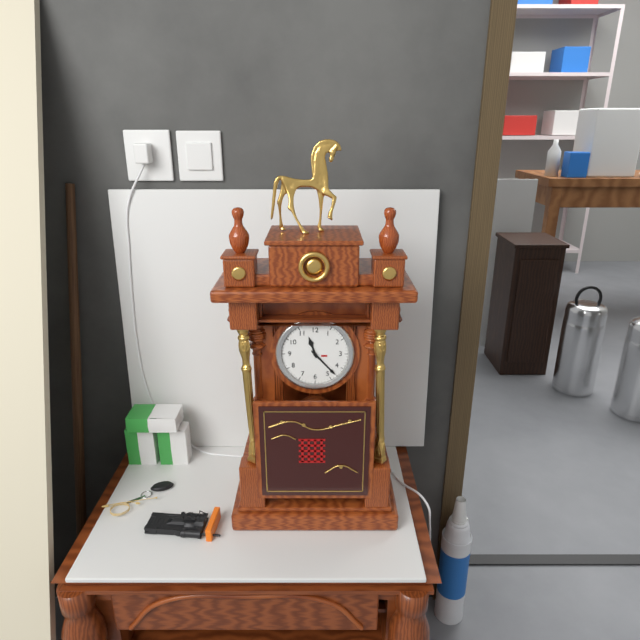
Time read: 11h23
